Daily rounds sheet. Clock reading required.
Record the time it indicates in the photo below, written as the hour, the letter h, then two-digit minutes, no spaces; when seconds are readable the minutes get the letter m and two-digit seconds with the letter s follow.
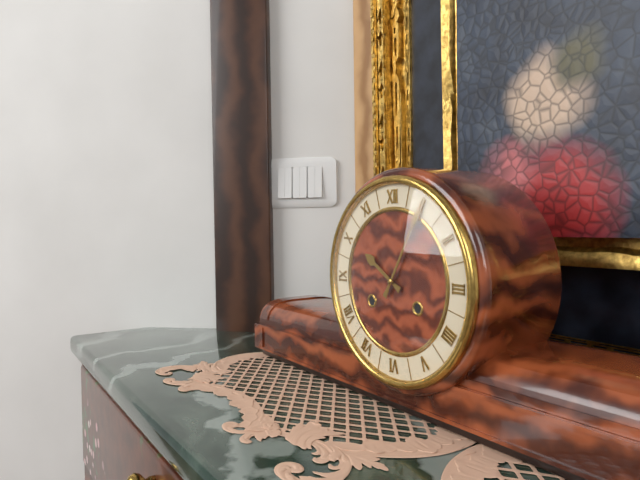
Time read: 10h05
